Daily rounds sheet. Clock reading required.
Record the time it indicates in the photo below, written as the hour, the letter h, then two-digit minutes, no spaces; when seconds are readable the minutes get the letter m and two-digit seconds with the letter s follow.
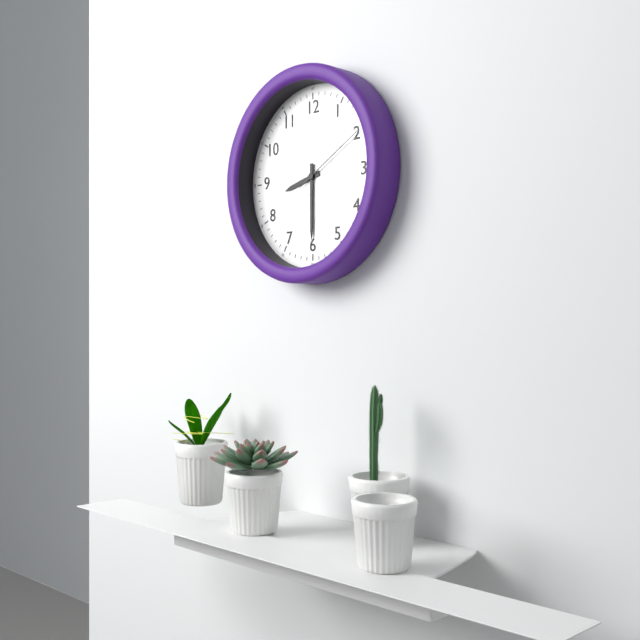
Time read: 8h30m10s
